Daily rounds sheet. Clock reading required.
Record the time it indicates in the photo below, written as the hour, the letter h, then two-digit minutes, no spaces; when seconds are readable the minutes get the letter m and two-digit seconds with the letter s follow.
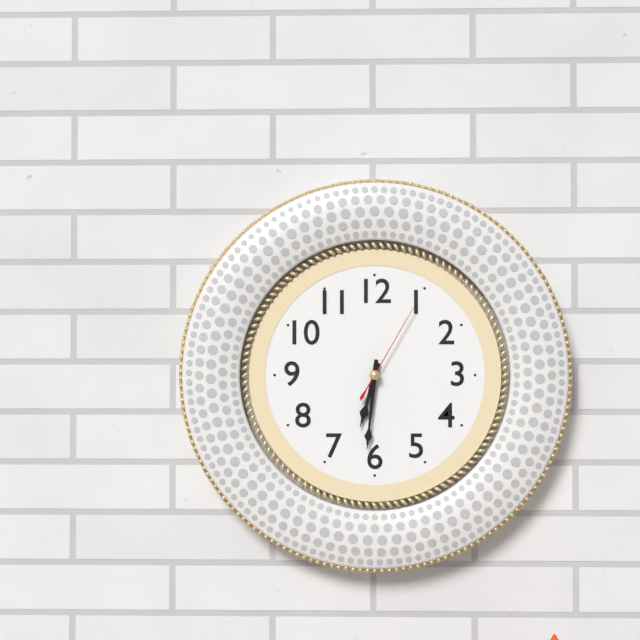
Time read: 6h31m05s
